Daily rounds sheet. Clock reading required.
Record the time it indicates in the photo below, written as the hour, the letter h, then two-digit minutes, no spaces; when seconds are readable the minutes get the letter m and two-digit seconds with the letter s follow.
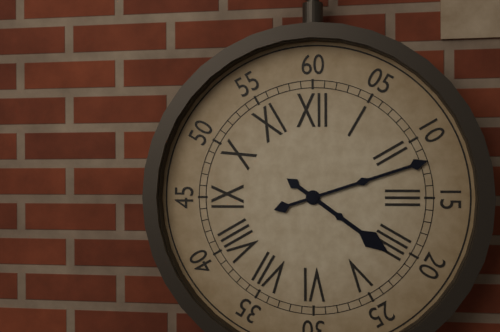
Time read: 4h12
